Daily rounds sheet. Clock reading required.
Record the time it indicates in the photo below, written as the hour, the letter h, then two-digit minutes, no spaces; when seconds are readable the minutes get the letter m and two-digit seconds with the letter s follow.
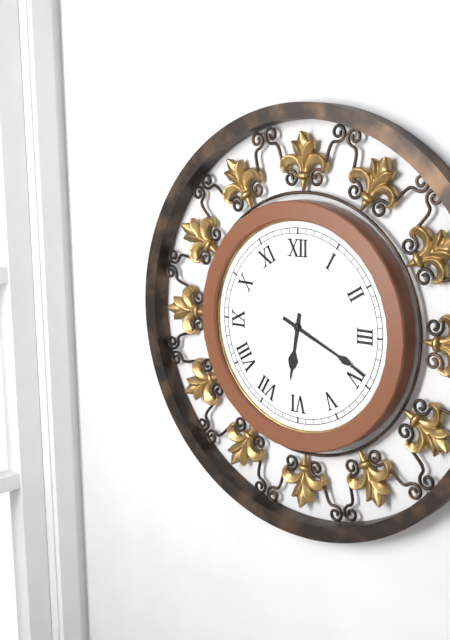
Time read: 6h19
